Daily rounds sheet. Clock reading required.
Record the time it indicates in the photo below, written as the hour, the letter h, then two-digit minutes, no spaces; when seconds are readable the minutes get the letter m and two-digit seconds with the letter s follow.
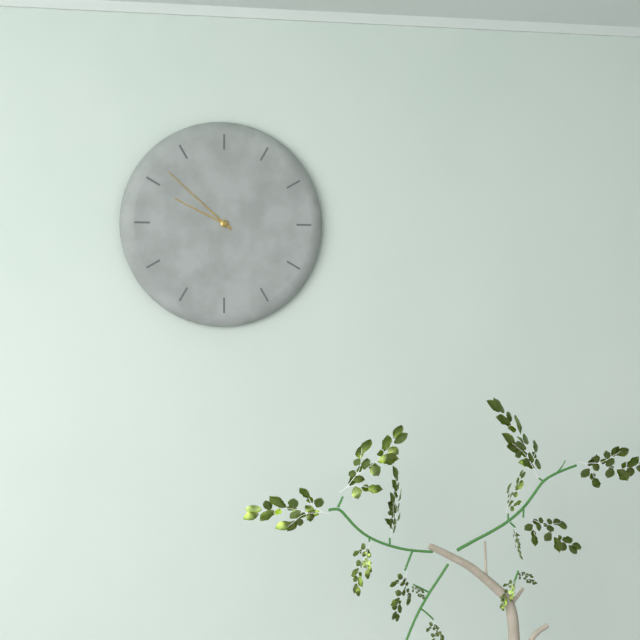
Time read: 9h52
